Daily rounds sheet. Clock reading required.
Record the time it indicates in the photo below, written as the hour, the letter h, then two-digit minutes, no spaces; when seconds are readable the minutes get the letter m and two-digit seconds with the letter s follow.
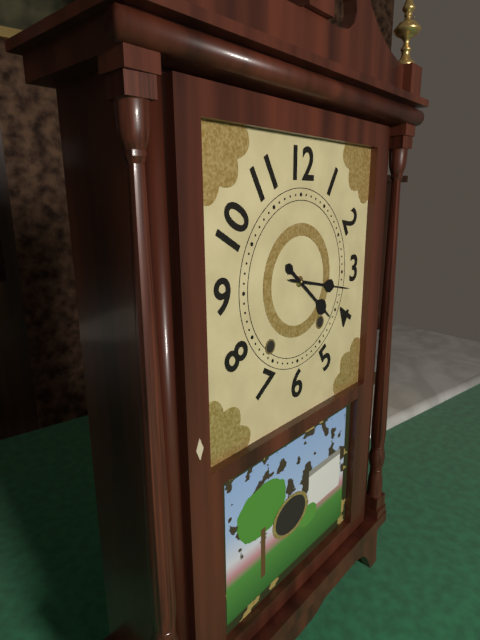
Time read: 4h17
